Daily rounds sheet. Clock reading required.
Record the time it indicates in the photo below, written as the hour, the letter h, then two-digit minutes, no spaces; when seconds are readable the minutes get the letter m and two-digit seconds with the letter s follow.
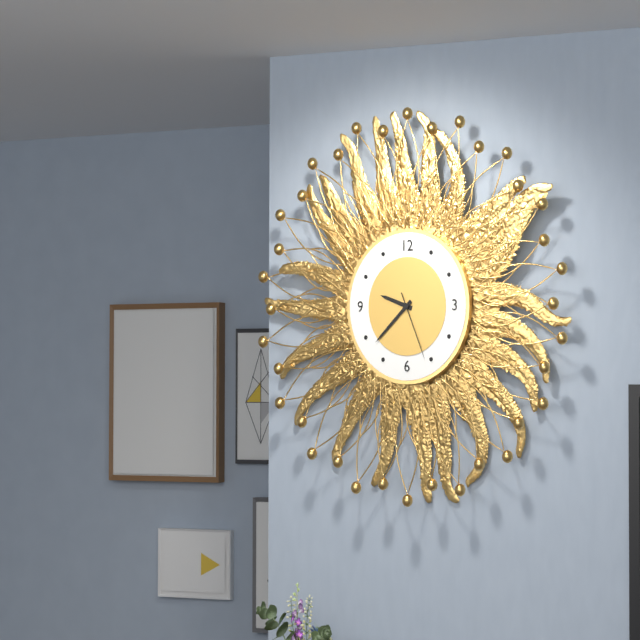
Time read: 9h38m26s
